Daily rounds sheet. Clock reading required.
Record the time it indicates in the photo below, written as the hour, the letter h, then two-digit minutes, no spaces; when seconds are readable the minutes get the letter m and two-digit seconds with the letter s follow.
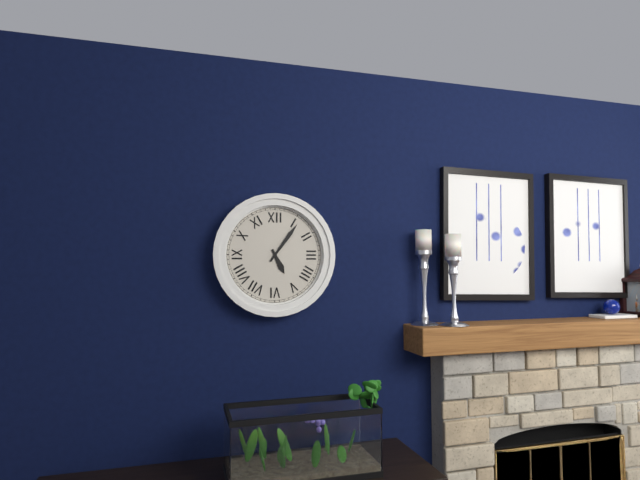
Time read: 5h06
